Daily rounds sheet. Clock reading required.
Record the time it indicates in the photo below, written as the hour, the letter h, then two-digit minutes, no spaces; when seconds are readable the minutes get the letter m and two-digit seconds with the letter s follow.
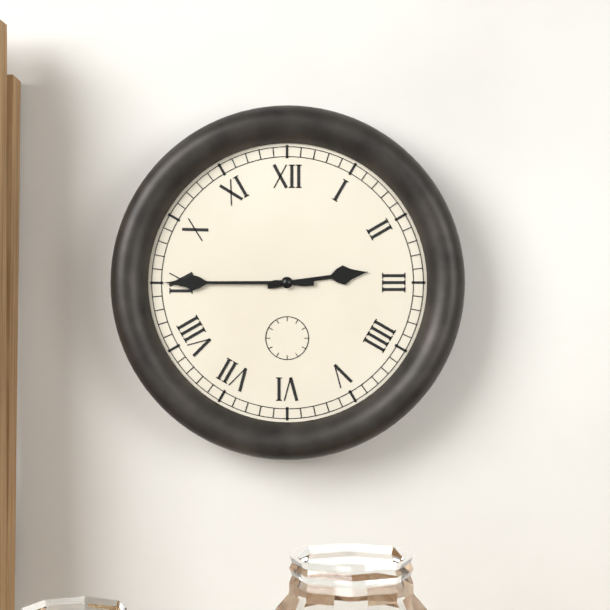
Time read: 2h45
